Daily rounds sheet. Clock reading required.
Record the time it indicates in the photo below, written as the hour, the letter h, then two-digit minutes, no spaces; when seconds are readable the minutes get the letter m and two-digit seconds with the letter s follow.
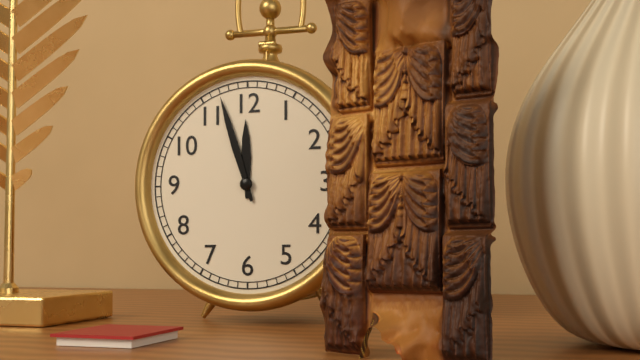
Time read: 11h57
